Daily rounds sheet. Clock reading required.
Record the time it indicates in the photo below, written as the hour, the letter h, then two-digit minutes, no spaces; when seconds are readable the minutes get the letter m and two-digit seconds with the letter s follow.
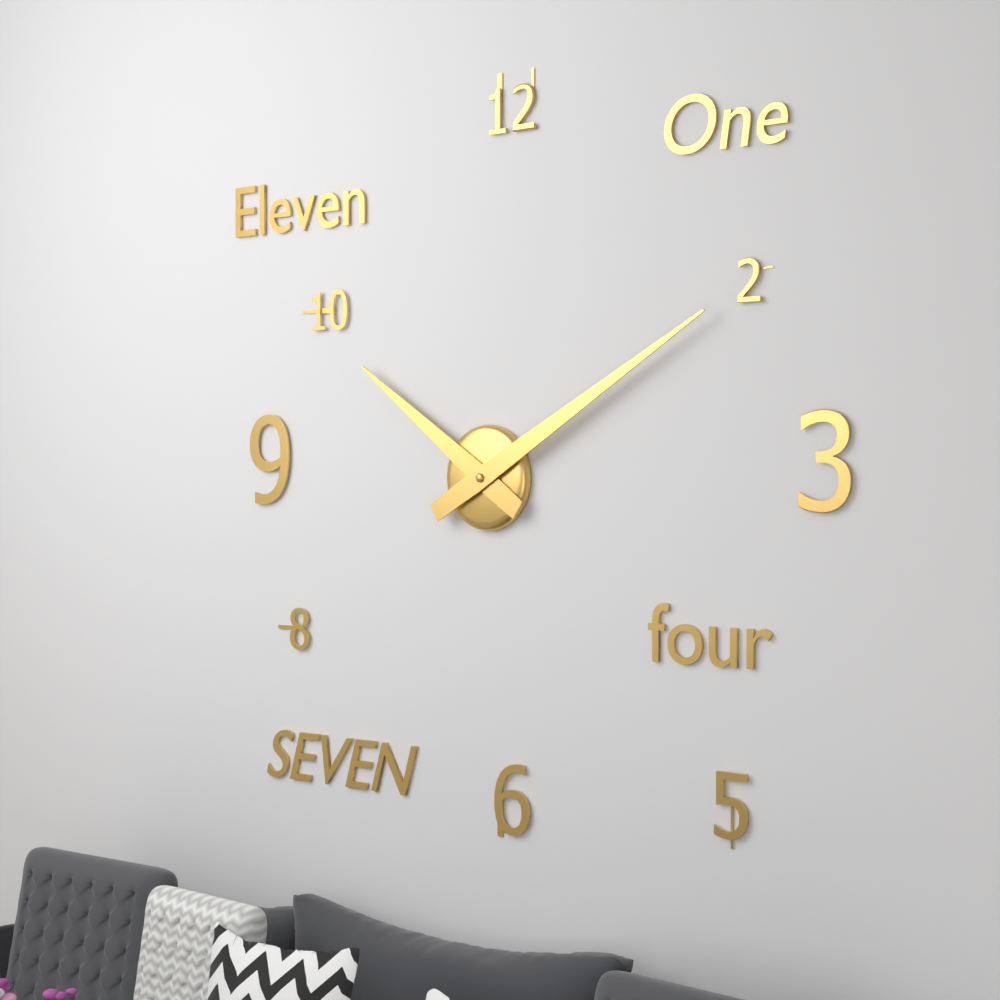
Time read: 10h10
